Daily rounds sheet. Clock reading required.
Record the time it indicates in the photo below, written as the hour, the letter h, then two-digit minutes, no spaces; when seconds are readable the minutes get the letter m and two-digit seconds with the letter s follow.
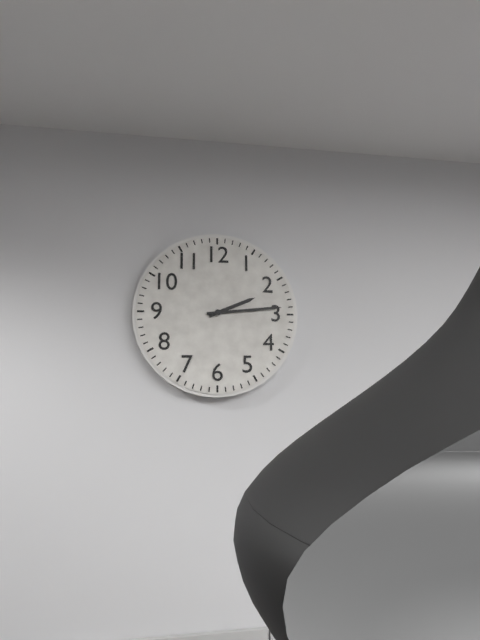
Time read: 2h14
